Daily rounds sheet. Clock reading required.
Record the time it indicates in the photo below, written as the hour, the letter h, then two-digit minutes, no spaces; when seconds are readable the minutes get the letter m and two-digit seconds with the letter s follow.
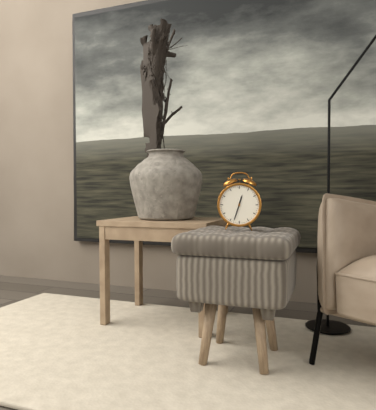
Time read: 12h33
